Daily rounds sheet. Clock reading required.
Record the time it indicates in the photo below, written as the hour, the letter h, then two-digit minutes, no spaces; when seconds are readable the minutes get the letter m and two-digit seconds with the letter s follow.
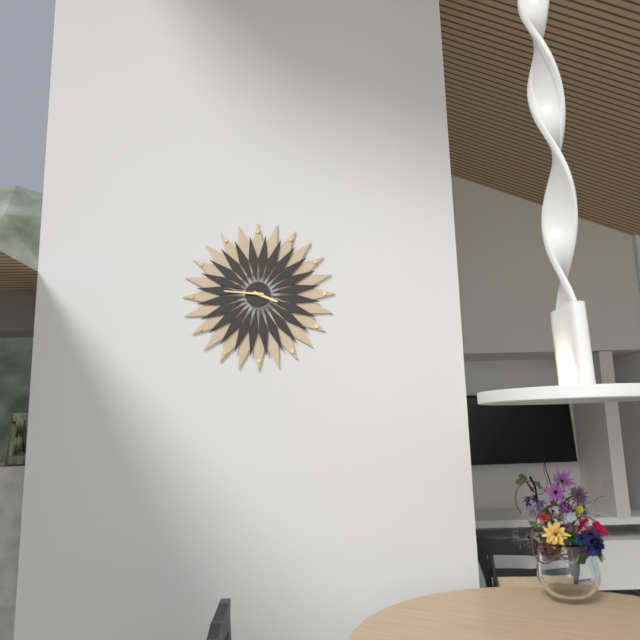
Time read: 3h46
